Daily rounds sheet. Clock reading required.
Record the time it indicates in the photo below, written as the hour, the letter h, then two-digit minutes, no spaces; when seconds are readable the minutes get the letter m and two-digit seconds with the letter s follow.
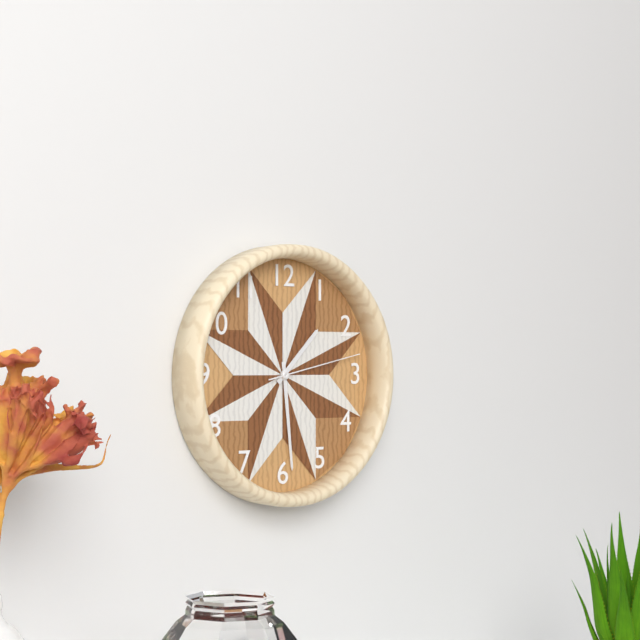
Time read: 1h29m13s
